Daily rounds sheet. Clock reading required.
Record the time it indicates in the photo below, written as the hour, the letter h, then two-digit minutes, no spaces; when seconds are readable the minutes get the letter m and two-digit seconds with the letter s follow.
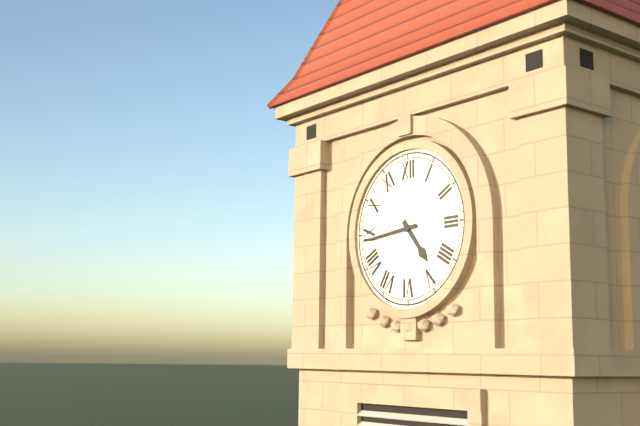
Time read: 4h44
